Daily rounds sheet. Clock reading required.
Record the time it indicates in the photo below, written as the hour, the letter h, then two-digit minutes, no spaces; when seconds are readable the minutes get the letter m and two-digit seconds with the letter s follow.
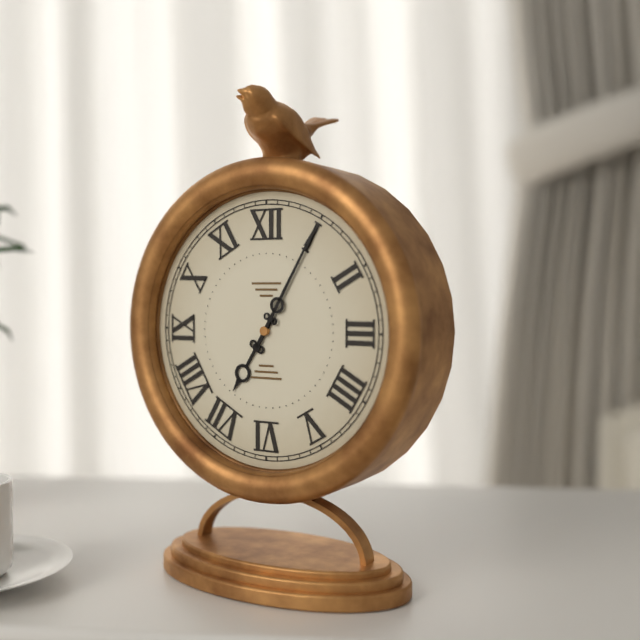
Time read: 7h05
